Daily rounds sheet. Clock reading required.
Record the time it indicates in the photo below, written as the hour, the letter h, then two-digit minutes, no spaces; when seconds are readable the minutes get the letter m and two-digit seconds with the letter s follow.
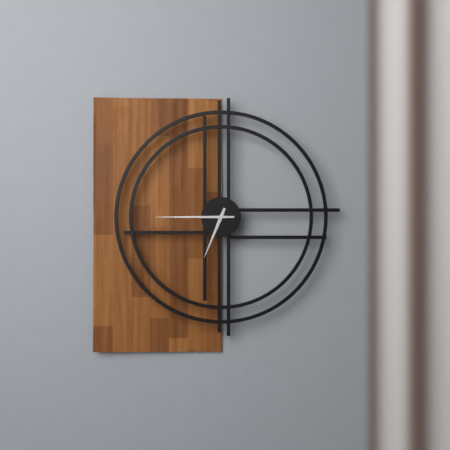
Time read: 6h45
